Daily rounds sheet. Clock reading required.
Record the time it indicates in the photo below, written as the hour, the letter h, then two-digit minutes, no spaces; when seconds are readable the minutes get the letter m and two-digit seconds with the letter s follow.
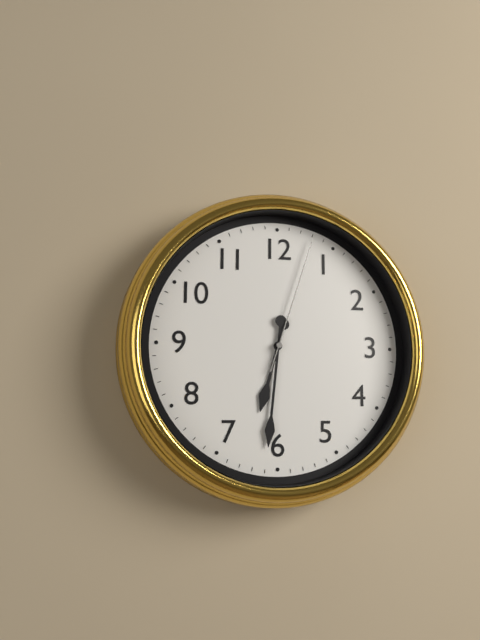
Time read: 6h31m03s
